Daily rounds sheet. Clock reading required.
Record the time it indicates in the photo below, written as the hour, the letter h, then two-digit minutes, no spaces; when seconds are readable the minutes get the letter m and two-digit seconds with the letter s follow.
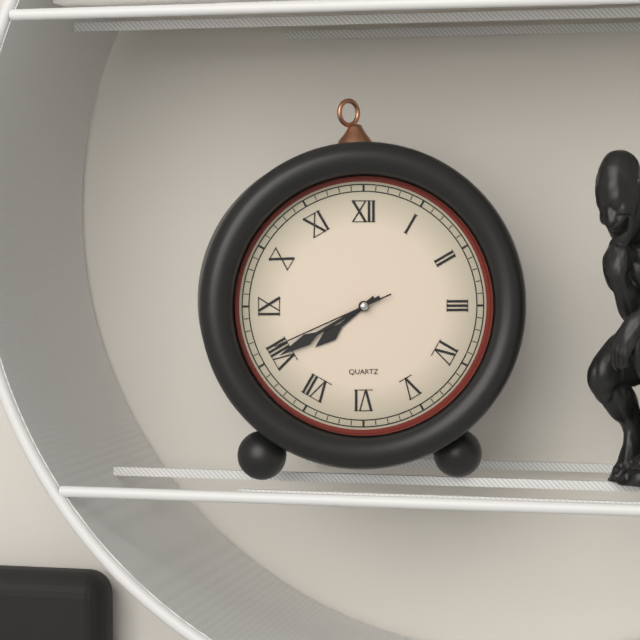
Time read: 7h40m41s
